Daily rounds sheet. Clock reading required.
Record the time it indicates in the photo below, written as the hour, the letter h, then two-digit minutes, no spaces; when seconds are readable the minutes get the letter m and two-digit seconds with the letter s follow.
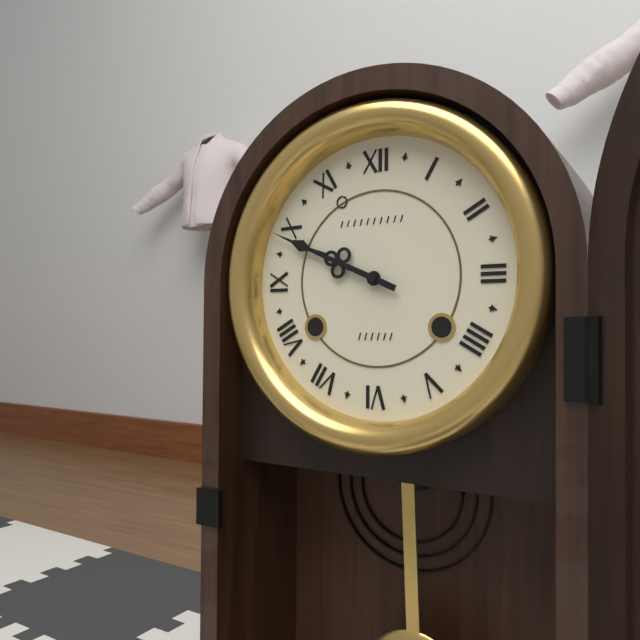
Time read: 9h49
